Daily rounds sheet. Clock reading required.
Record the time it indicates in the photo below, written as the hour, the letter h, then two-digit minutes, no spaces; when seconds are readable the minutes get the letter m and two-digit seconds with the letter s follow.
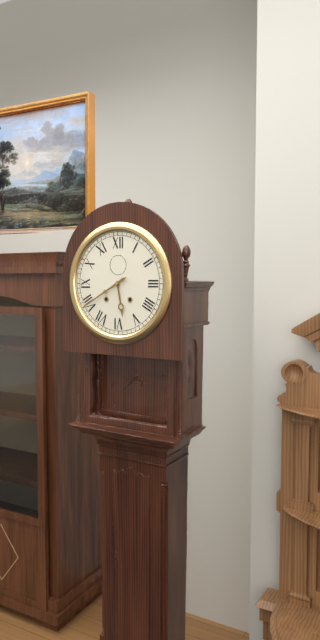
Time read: 5h40
